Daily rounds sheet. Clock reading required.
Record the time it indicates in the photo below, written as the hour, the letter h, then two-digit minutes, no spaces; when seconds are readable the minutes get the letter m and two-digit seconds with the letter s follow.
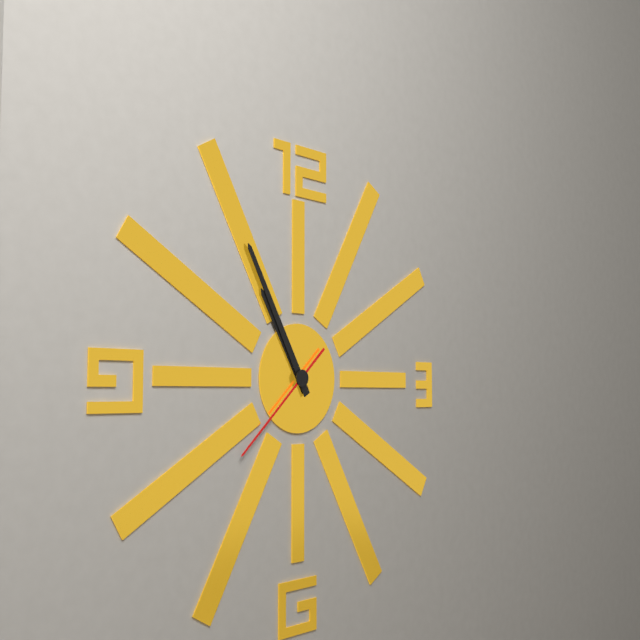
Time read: 10h55m38s
